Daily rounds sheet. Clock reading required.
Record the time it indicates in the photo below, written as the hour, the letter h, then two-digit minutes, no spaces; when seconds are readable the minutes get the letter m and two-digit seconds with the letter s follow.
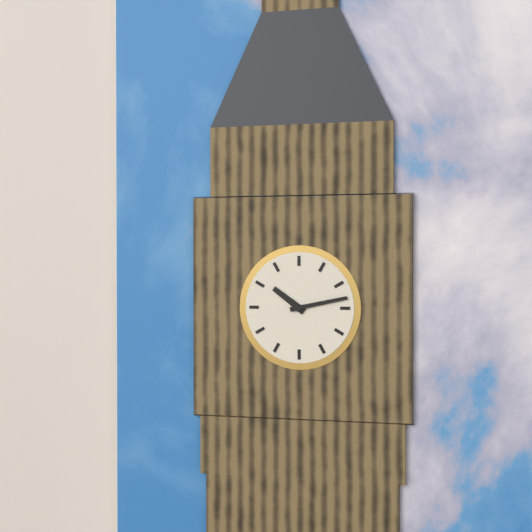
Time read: 10h13
